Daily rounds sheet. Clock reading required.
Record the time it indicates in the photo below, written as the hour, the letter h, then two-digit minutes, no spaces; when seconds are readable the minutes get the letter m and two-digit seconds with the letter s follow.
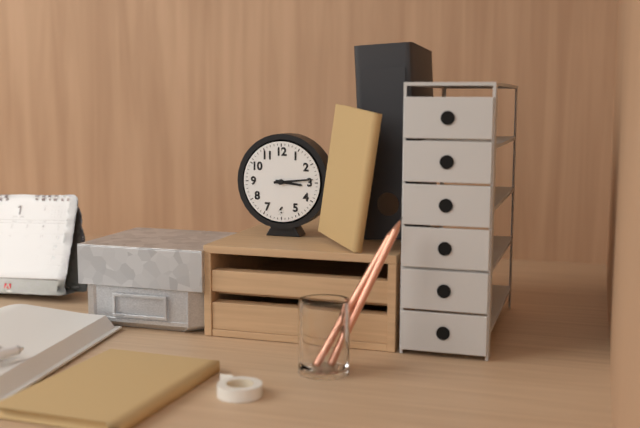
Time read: 3h14
